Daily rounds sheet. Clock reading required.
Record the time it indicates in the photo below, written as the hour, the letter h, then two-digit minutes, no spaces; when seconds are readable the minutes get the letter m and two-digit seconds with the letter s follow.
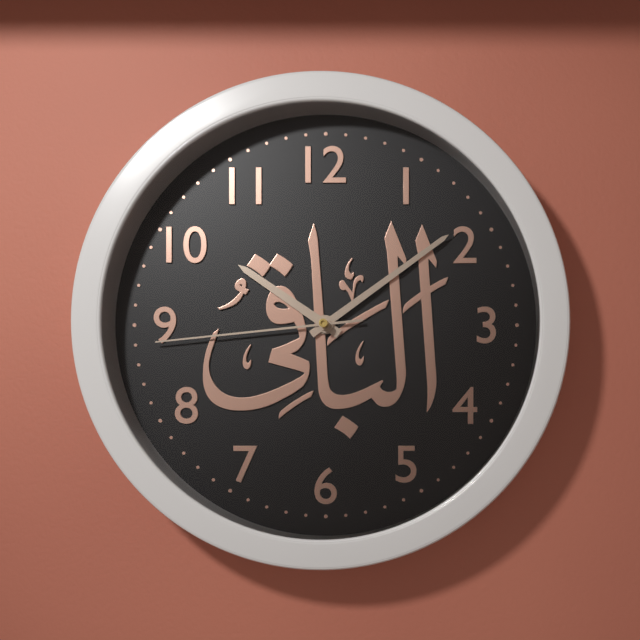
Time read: 10h09m44s
